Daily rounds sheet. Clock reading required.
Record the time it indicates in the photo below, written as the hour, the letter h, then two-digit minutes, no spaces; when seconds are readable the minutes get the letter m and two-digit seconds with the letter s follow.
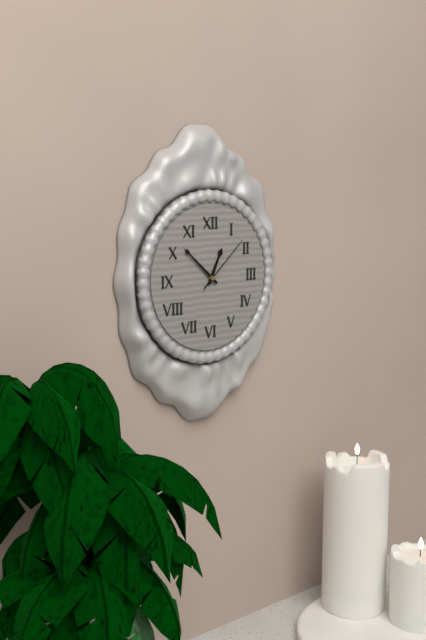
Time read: 12h52m08s
